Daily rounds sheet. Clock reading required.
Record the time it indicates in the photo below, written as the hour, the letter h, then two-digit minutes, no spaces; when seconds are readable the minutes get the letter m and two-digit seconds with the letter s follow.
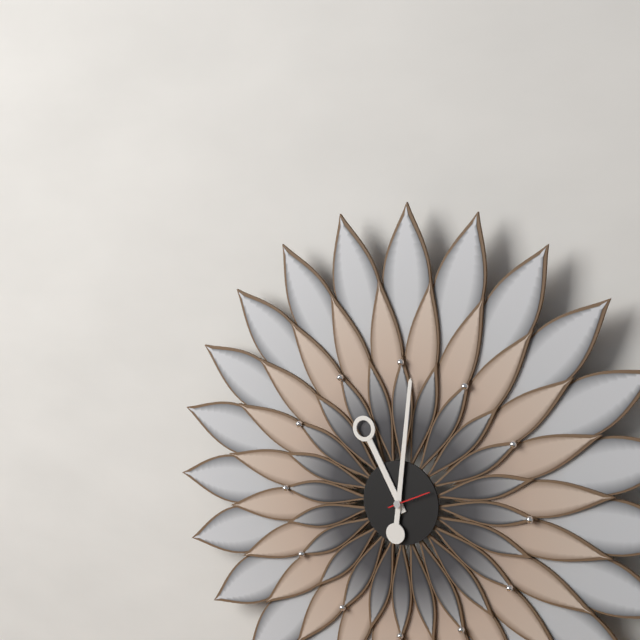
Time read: 11h01
